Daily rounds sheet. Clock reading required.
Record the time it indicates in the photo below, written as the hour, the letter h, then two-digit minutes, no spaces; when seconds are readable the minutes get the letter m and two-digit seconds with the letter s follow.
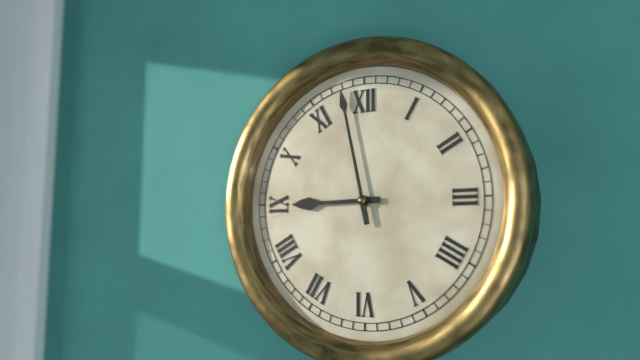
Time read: 8h58
